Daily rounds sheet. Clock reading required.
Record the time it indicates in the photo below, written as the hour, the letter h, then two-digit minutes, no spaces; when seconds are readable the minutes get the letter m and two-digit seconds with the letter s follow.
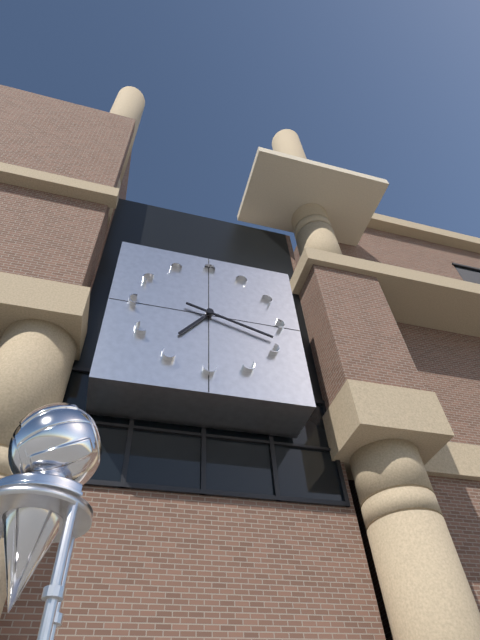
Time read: 7h18
